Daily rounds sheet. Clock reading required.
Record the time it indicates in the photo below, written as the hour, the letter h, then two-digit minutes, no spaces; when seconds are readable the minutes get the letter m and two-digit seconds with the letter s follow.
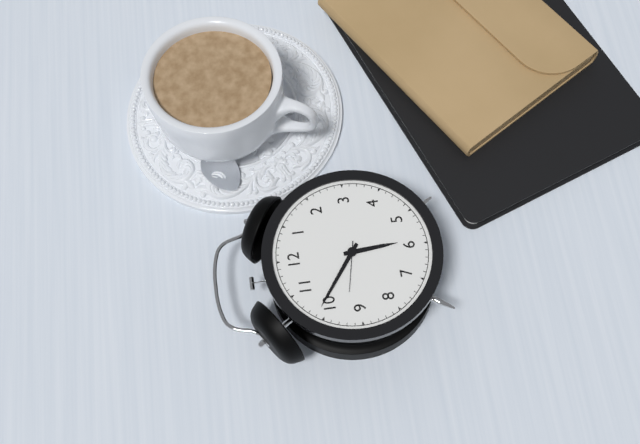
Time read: 5h51m47s
